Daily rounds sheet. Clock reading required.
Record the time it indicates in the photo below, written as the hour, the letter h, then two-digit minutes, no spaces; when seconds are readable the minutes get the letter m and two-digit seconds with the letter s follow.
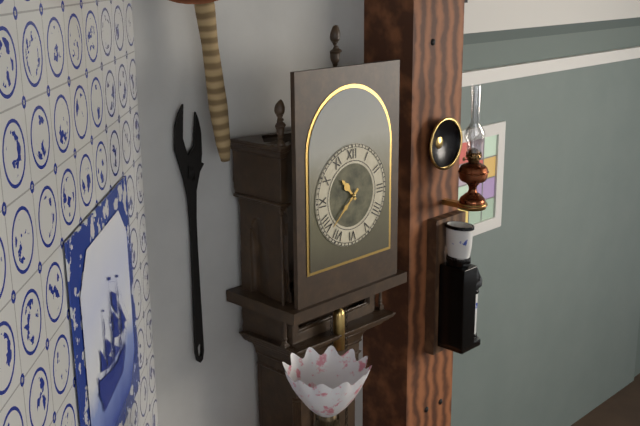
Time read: 10h38
